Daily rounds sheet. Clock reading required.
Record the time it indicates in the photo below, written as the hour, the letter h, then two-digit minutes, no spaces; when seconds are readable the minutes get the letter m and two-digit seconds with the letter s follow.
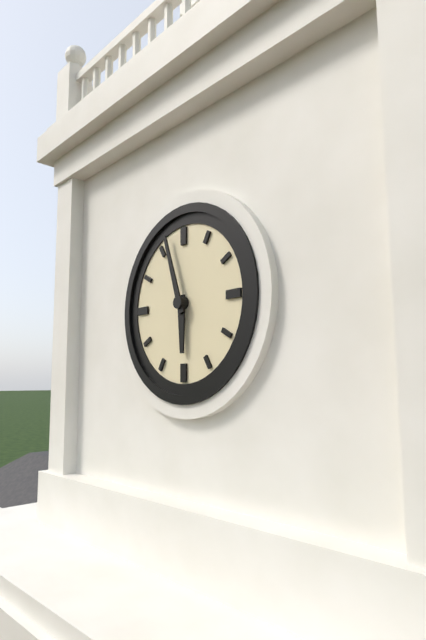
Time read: 5h57
